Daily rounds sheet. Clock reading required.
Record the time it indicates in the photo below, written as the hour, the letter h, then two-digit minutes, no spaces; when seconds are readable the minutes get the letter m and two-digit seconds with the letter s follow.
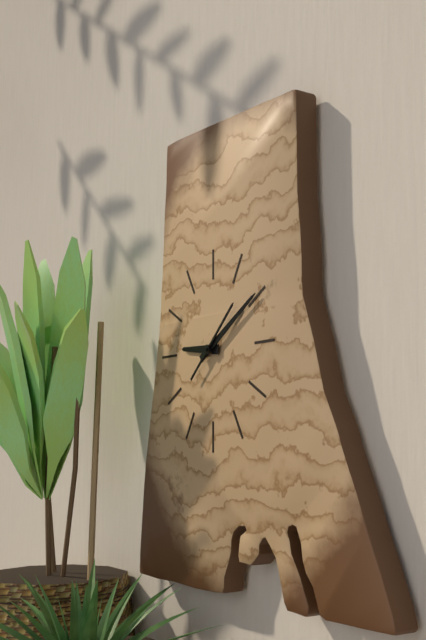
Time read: 9h10m08s
